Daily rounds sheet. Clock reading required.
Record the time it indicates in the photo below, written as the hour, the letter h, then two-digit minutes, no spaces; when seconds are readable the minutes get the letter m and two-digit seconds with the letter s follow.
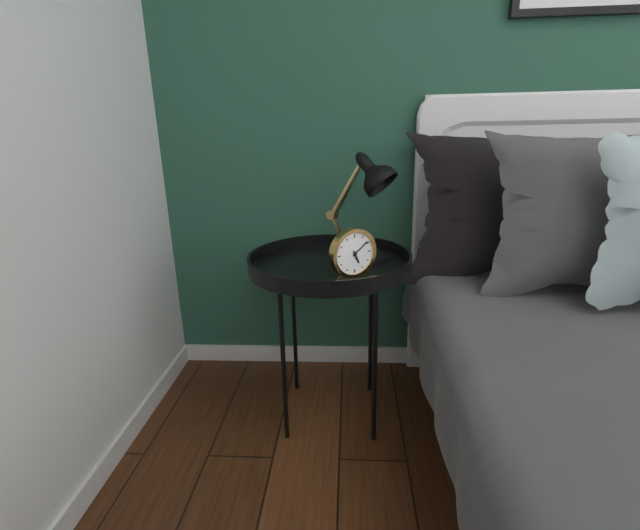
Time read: 5h09
